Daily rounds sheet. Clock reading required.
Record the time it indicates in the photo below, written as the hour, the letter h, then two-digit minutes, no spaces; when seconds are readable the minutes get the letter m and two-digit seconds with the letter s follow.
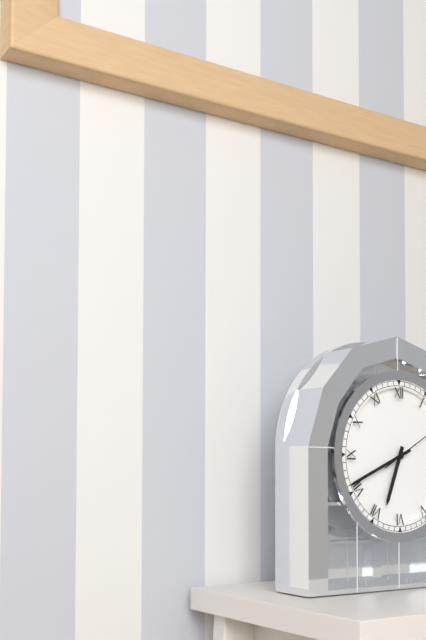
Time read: 6h41
